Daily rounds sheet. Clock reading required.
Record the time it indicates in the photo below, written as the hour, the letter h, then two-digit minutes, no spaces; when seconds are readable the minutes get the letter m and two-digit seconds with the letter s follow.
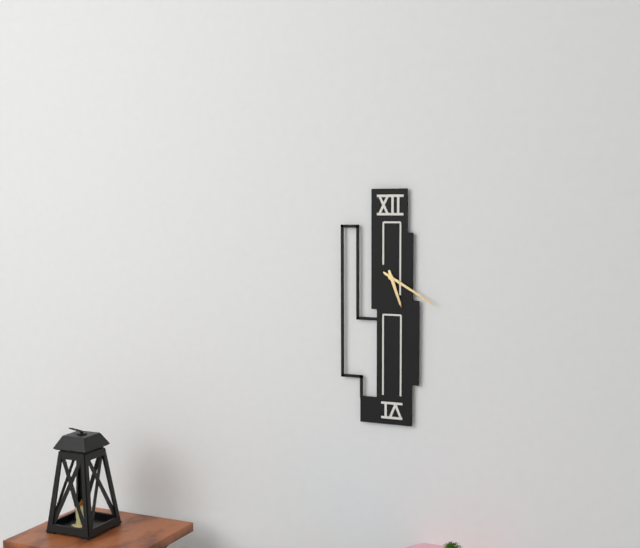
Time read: 5h20
